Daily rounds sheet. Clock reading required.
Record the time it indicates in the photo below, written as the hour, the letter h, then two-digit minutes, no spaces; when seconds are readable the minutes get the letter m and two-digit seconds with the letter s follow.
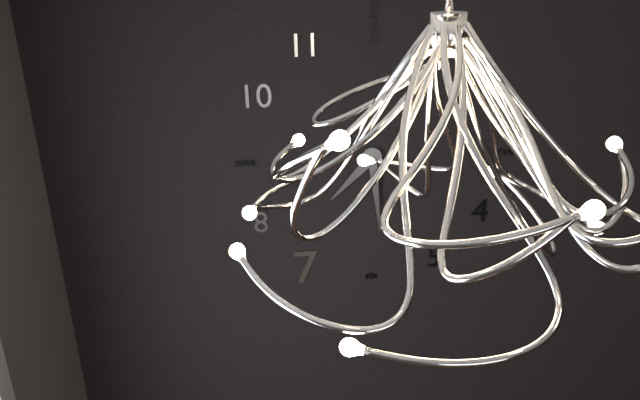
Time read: 7h29
